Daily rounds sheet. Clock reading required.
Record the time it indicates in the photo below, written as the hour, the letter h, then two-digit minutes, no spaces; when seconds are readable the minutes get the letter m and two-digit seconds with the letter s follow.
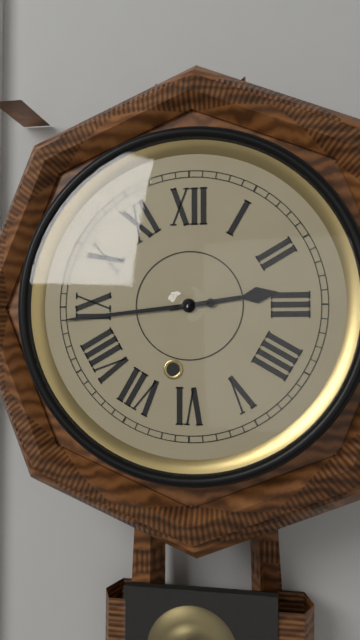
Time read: 2h44
